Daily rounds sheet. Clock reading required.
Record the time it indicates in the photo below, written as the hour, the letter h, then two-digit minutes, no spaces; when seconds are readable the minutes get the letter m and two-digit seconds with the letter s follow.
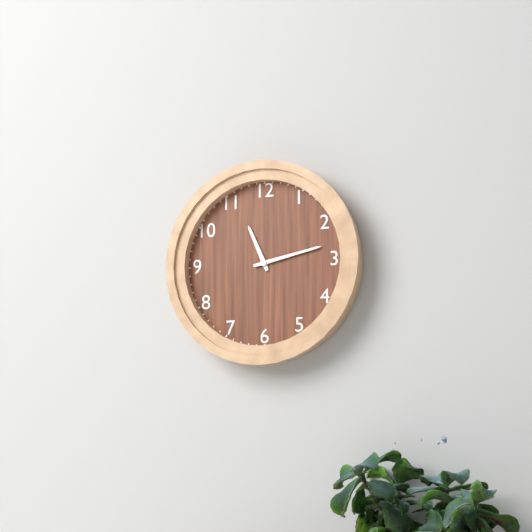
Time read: 11h13
